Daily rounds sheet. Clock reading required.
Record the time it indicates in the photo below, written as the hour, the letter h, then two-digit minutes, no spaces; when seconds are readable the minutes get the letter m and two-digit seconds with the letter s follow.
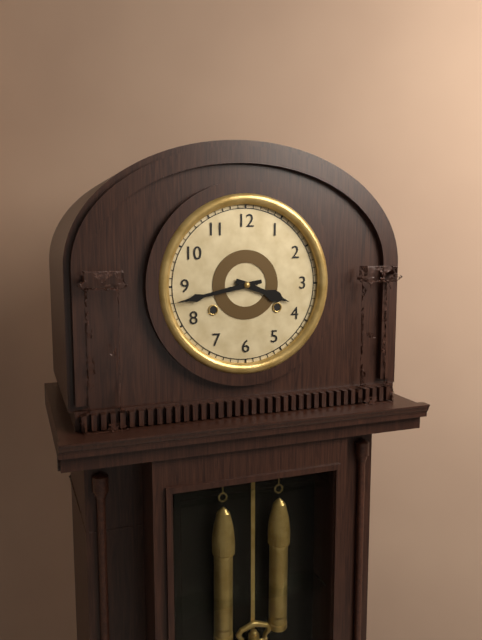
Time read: 3h43
